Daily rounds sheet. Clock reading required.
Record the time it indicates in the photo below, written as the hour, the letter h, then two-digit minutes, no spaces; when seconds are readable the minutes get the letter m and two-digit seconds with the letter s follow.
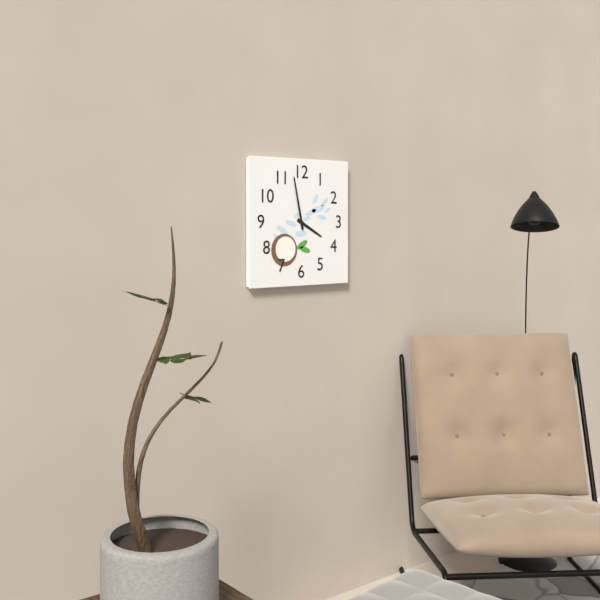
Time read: 3h58
